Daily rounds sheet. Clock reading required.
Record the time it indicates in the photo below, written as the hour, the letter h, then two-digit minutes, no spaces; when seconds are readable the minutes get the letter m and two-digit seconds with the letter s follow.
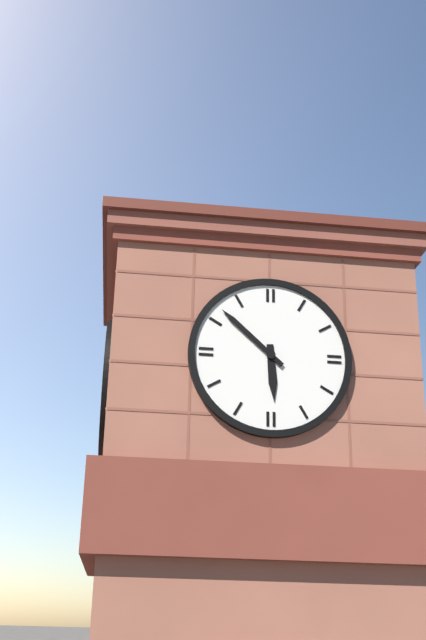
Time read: 5h52
